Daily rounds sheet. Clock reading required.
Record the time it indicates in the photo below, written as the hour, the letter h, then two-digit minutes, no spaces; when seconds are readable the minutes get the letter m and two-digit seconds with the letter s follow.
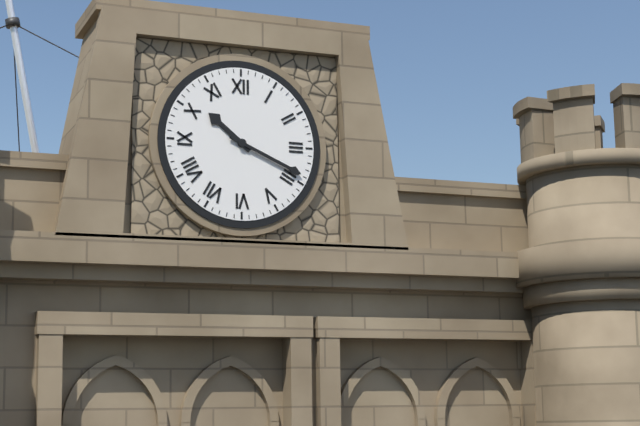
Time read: 10h19
